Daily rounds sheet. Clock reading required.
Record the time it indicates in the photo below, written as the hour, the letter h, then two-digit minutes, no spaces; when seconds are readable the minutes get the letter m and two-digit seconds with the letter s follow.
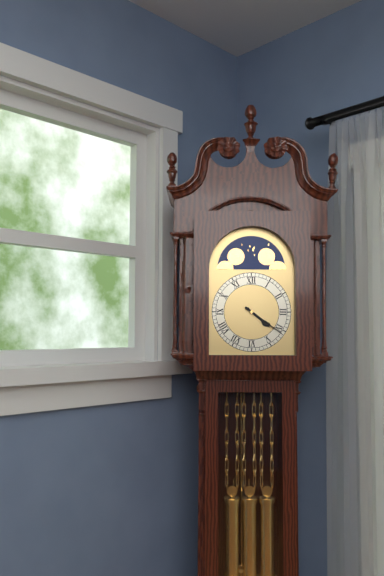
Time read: 4h21
